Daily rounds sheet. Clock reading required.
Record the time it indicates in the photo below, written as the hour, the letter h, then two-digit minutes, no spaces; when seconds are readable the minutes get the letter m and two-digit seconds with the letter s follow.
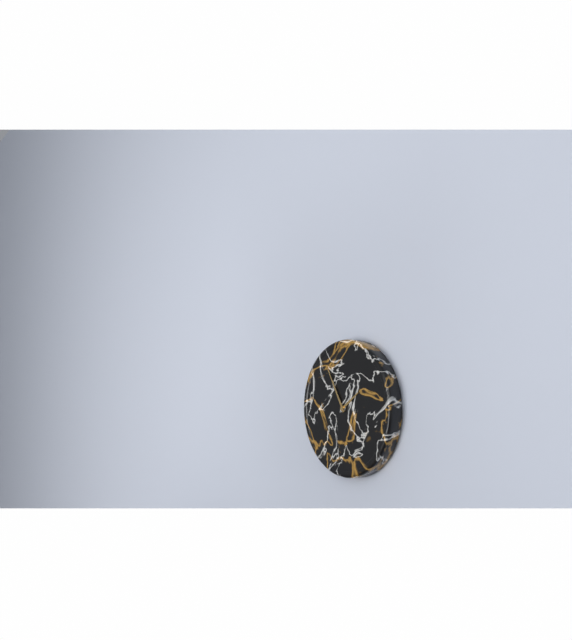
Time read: 1h55
